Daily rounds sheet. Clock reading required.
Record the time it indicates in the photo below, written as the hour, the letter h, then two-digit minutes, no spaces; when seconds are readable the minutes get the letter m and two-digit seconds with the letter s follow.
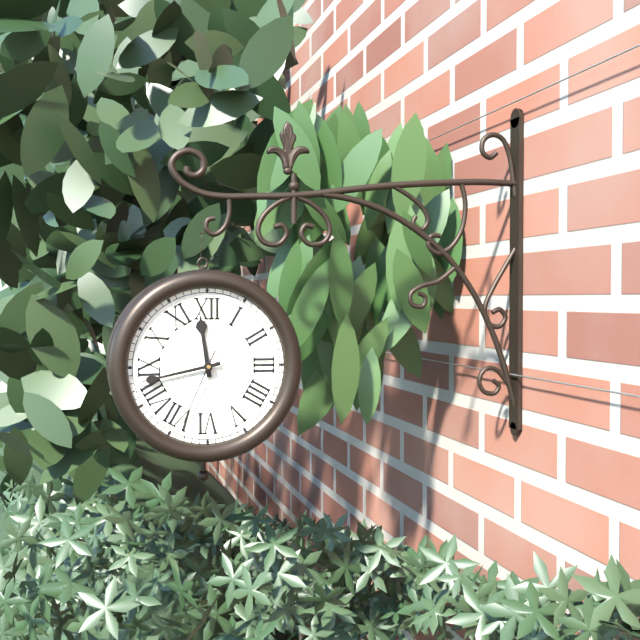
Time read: 11h43m34s
